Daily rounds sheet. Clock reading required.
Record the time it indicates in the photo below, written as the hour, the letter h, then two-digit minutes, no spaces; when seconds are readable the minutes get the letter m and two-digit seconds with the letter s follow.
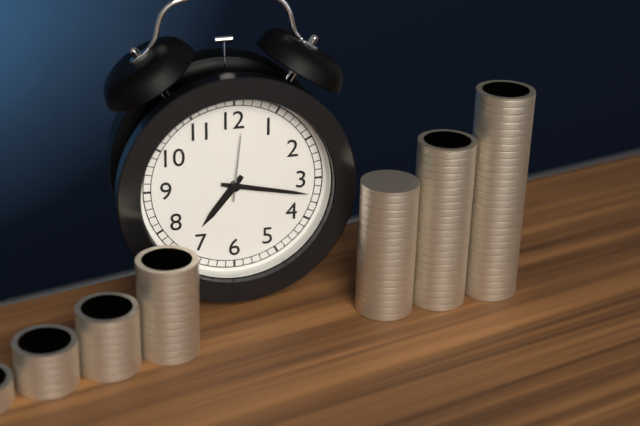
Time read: 7h17m01s
